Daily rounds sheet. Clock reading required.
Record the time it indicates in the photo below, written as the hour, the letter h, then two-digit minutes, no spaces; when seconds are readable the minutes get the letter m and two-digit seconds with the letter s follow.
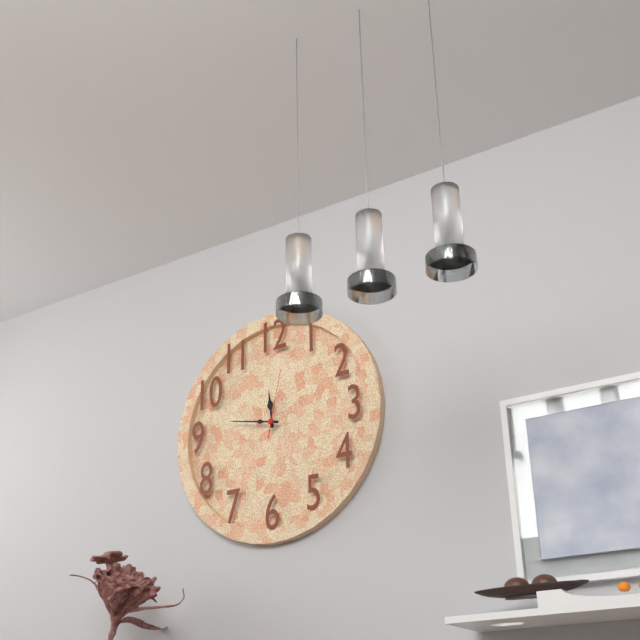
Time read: 11h47m02s
